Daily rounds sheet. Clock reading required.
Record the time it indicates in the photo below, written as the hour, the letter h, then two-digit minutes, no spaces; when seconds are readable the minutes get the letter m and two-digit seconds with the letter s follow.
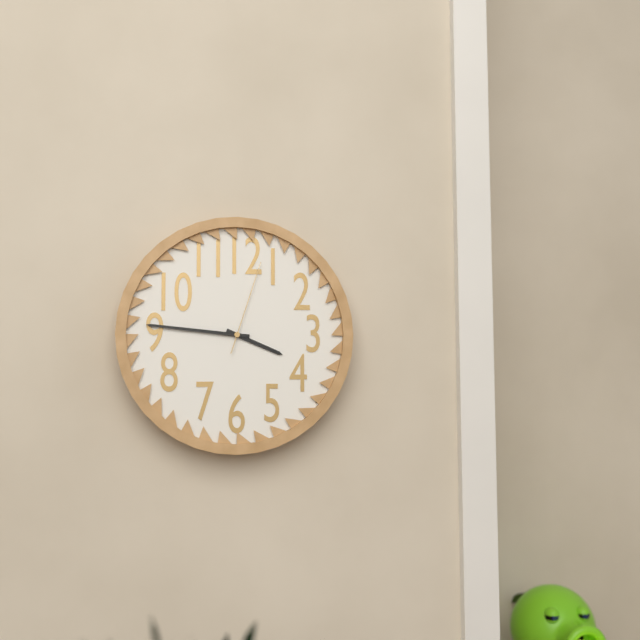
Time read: 3h46m03s
